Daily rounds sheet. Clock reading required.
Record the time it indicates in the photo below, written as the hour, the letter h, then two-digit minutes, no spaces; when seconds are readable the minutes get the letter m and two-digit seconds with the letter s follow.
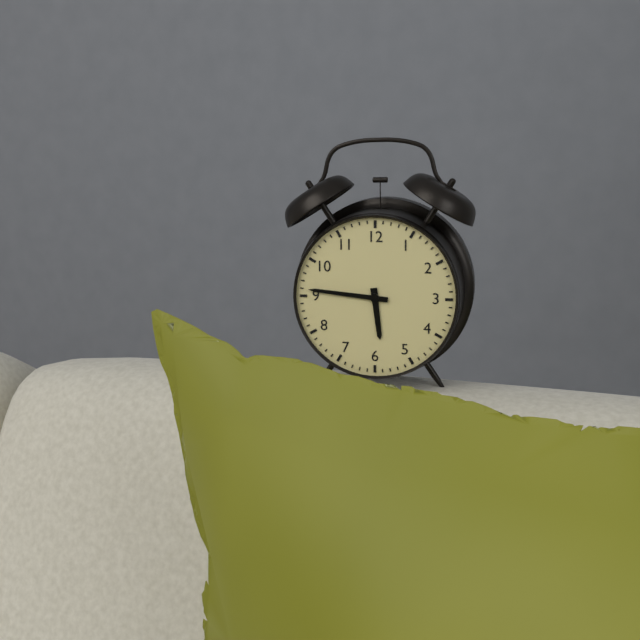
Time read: 5h46
